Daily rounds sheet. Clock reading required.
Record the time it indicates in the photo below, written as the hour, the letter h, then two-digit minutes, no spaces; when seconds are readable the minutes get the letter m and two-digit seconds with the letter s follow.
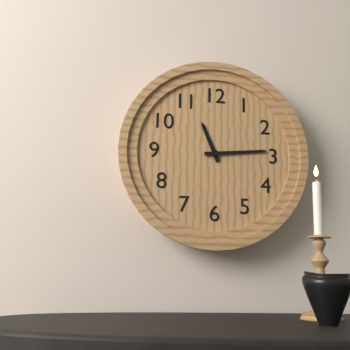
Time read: 11h14
